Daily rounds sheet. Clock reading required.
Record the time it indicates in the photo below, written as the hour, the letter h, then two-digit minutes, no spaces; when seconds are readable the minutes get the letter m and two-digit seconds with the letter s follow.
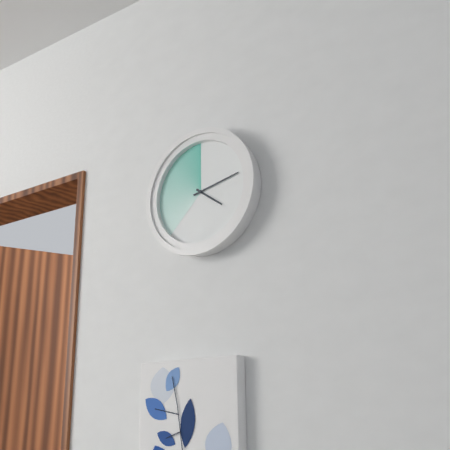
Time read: 4h13
